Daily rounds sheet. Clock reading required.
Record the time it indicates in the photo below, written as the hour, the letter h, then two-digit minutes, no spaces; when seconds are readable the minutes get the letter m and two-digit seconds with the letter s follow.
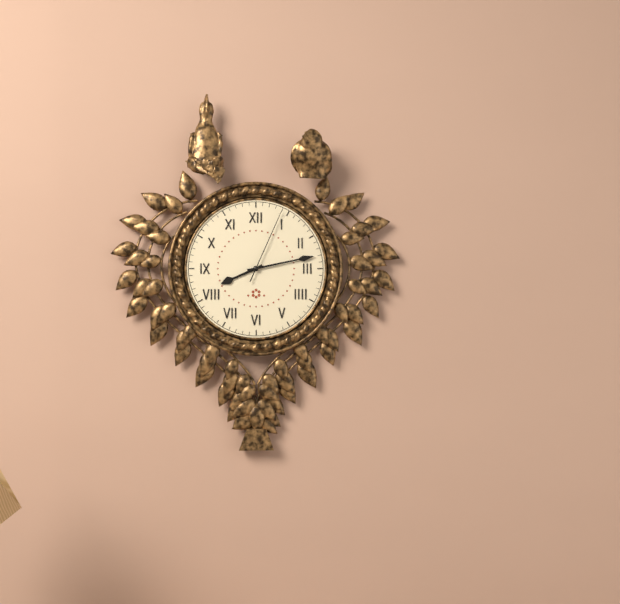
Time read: 8h13m04s
